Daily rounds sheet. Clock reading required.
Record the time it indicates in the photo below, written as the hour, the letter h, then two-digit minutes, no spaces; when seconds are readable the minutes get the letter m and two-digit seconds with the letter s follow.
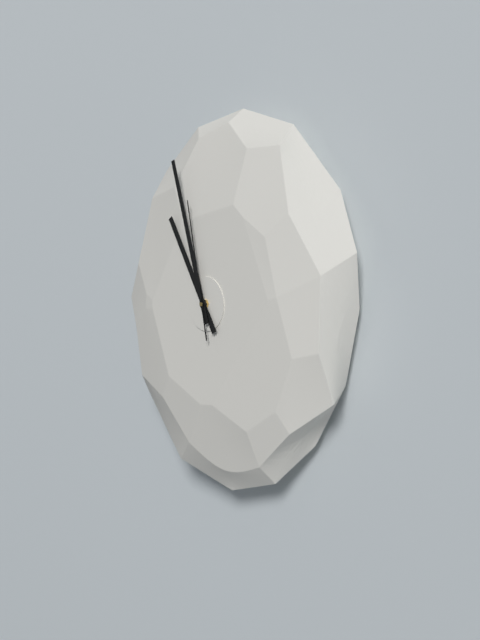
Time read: 10h57m58s
